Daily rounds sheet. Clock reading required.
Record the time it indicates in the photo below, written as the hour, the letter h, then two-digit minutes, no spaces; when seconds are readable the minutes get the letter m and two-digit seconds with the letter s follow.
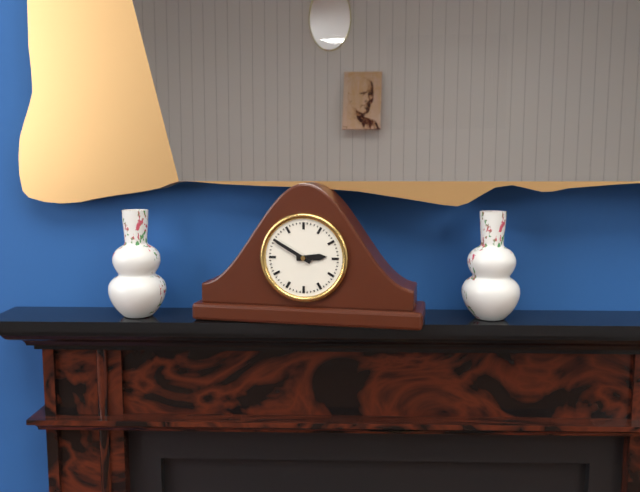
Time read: 2h50
